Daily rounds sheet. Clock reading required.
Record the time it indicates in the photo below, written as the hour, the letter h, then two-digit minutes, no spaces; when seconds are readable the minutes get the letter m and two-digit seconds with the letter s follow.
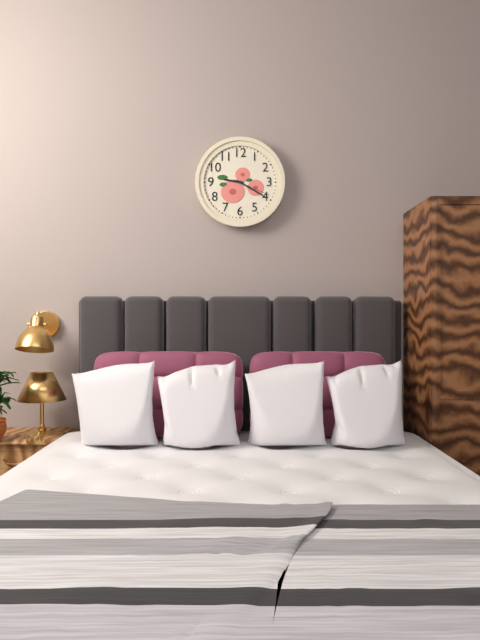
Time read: 9h20
